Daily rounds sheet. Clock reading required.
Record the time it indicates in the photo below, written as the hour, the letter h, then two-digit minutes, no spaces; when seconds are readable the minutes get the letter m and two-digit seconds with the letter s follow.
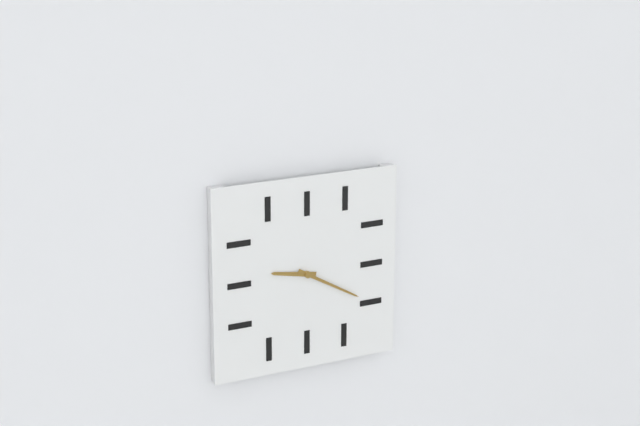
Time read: 9h20
